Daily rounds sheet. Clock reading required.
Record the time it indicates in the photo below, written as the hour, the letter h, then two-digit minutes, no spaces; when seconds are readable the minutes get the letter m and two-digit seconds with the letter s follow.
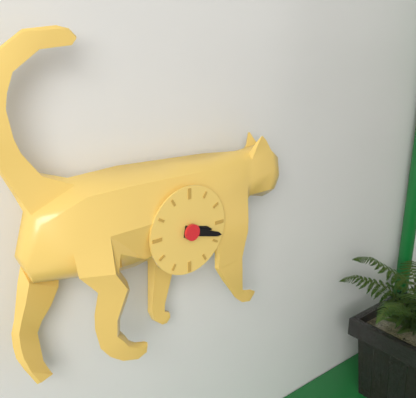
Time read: 3h18
